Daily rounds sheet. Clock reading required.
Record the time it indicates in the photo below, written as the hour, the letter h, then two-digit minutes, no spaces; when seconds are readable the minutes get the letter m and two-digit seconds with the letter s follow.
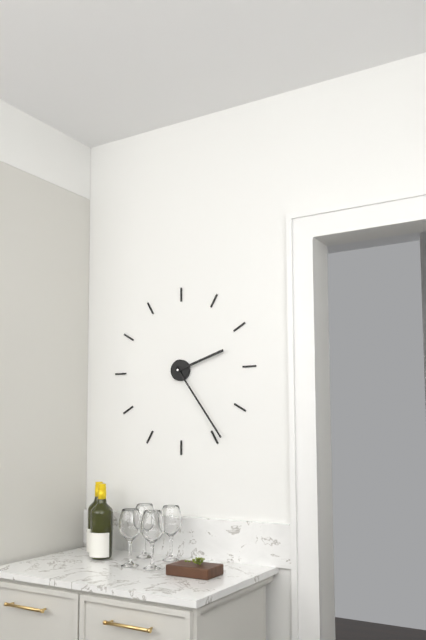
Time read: 2h24
